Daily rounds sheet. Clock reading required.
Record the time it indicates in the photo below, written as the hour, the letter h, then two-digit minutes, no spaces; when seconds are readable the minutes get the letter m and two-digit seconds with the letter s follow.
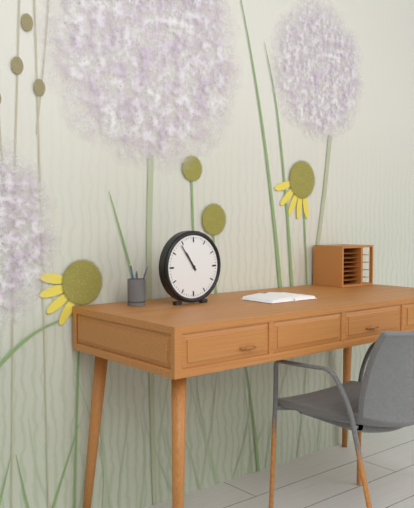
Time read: 10h54
